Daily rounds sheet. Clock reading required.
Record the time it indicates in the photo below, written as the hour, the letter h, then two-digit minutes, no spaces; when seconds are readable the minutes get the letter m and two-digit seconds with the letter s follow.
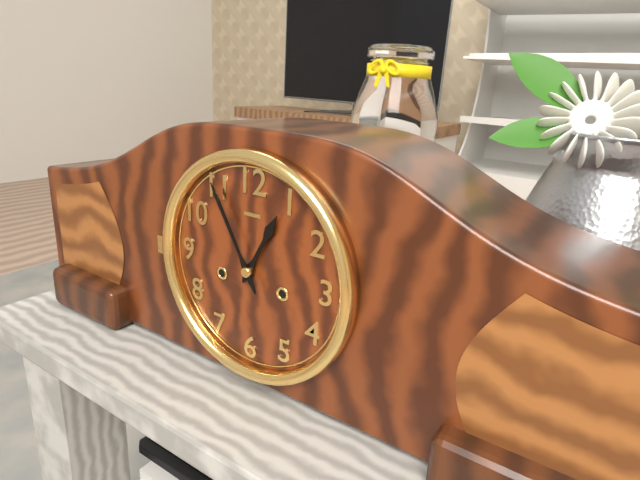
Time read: 12h55
